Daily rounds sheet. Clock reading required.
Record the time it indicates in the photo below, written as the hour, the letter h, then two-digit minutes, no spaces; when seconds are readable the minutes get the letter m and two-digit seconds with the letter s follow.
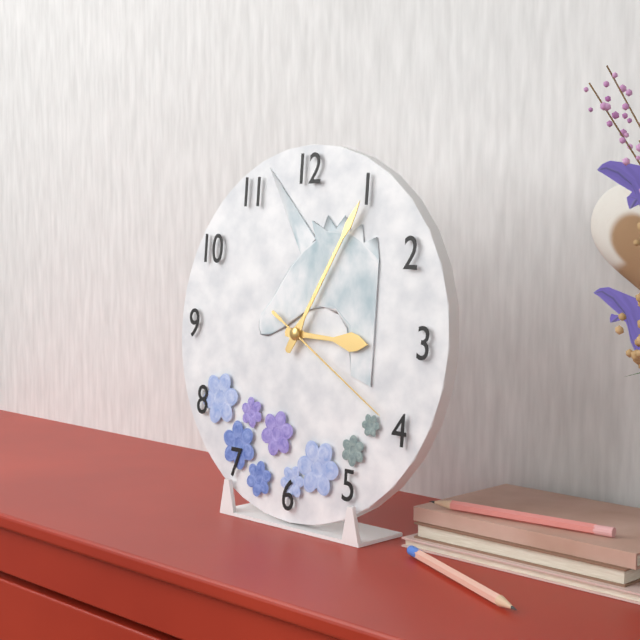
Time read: 3h05m20s
